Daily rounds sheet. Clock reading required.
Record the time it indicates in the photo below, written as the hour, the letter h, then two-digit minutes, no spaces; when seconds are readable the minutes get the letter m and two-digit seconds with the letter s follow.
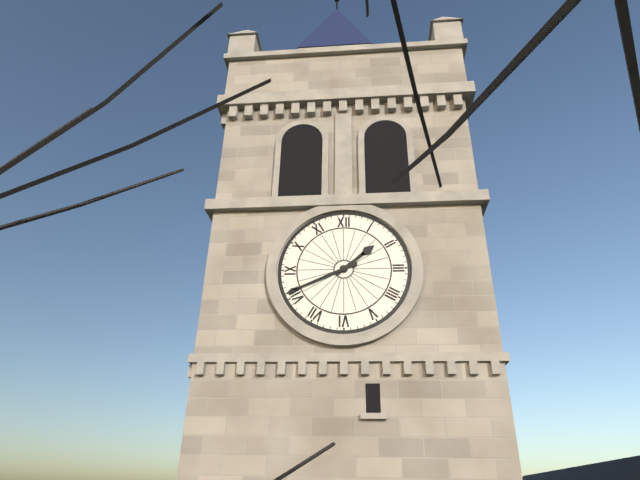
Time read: 1h41
